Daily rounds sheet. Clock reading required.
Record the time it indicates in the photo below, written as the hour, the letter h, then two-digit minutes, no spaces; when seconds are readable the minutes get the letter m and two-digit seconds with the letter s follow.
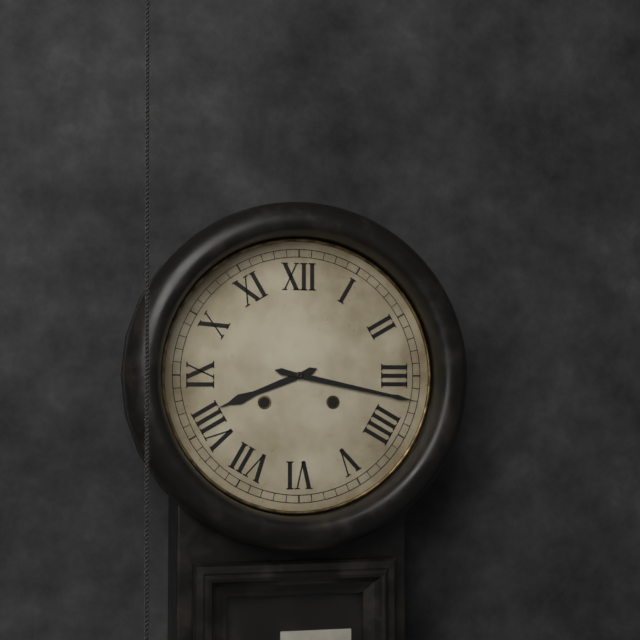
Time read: 8h17
